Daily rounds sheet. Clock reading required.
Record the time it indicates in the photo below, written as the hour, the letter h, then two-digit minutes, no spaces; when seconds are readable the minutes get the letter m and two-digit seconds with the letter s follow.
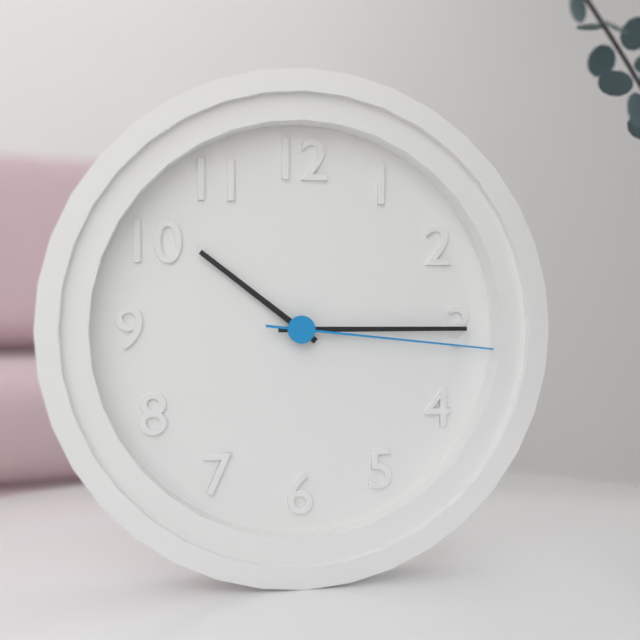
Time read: 10h15m16s
